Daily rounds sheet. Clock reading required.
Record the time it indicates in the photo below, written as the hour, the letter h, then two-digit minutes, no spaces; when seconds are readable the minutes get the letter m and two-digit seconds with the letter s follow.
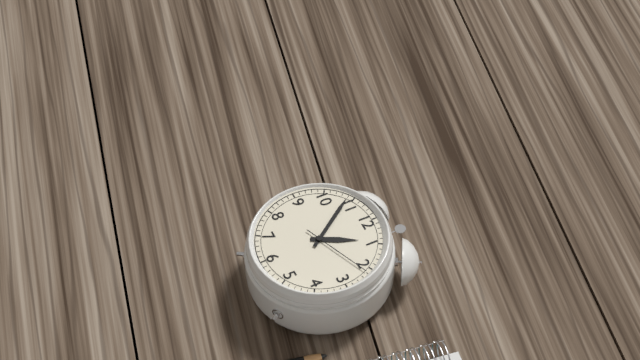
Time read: 12h54m11s
